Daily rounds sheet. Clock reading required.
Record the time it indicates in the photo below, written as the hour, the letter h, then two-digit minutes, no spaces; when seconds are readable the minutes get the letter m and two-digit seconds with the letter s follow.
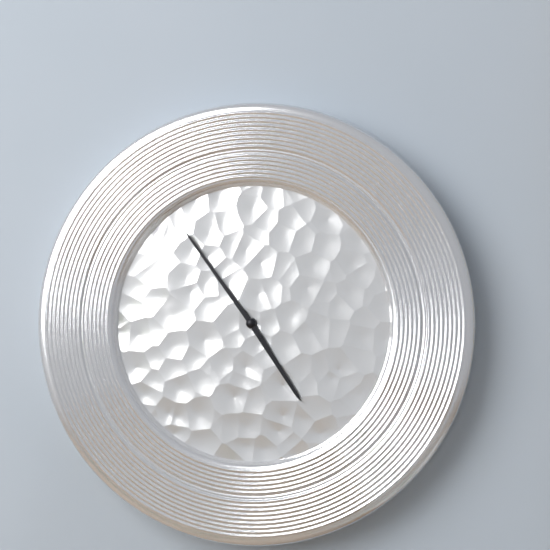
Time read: 4h54
